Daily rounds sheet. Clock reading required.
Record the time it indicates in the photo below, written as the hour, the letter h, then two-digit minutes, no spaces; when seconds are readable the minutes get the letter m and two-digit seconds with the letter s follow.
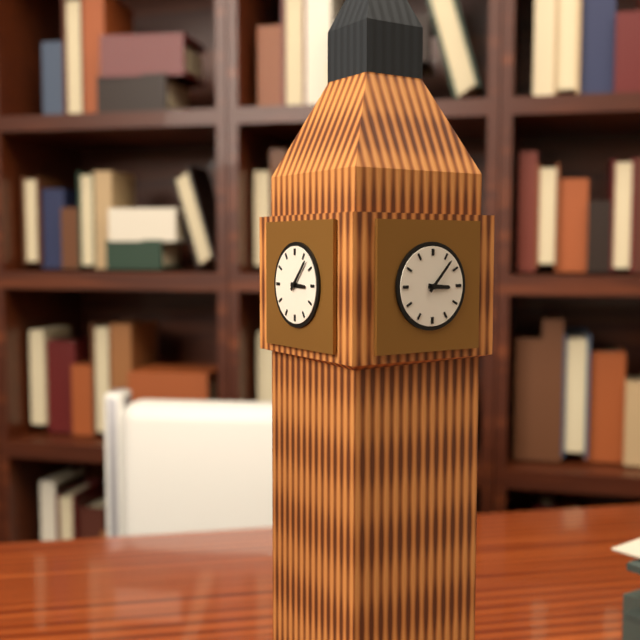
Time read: 3h07
